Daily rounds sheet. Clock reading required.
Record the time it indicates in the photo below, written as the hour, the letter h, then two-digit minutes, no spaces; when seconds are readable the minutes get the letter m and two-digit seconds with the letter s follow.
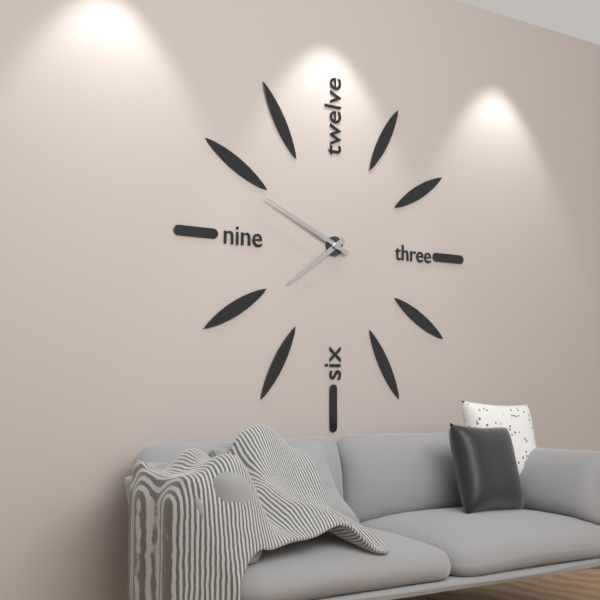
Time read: 7h49
